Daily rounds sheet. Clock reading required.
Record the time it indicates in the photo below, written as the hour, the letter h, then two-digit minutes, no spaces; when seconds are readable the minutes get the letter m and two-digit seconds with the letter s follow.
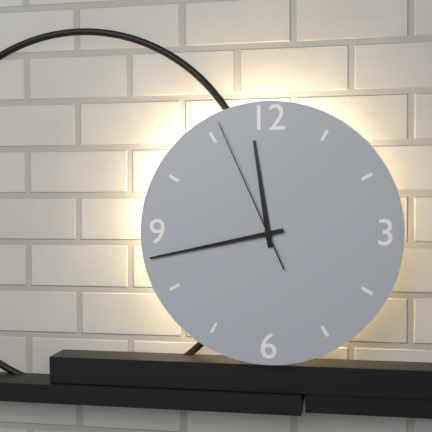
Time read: 11h43m56s
